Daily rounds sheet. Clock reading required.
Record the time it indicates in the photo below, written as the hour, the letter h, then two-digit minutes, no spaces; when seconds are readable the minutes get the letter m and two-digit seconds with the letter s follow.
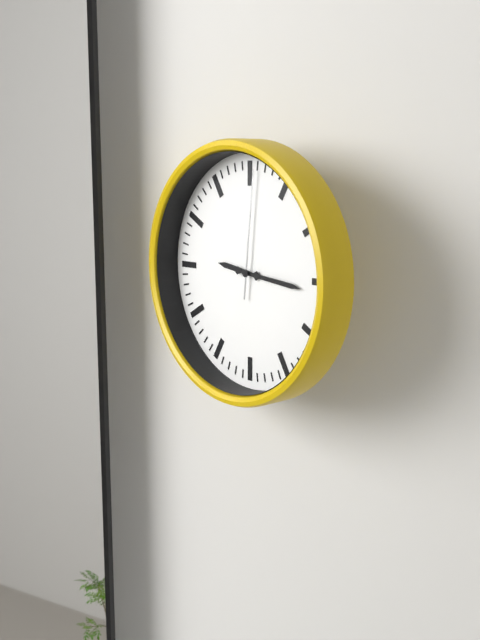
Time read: 9h16m01s
